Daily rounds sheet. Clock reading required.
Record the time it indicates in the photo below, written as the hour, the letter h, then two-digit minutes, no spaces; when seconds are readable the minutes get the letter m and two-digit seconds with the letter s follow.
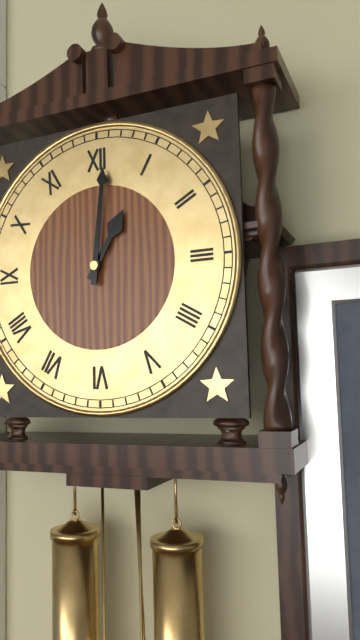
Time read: 1h01
